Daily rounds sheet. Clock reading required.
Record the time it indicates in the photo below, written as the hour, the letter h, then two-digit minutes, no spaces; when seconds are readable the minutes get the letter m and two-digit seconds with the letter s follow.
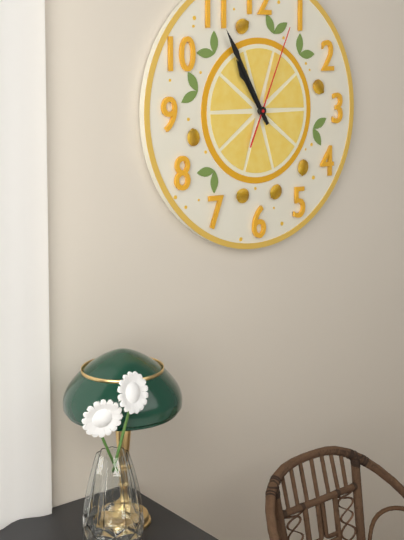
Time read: 10h55m04s
